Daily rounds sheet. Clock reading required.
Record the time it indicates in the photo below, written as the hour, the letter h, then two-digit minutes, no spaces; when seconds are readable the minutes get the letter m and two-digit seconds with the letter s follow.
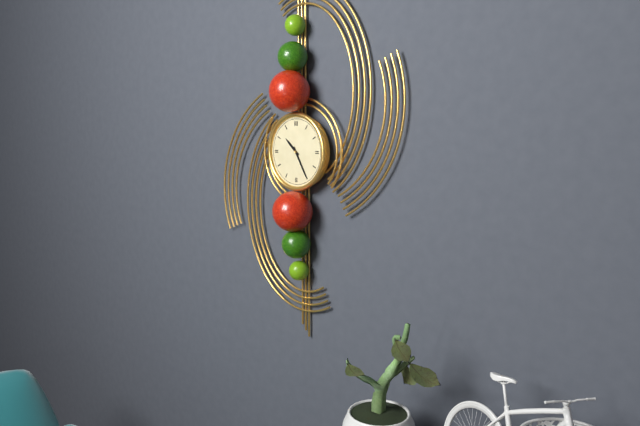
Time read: 10h25
